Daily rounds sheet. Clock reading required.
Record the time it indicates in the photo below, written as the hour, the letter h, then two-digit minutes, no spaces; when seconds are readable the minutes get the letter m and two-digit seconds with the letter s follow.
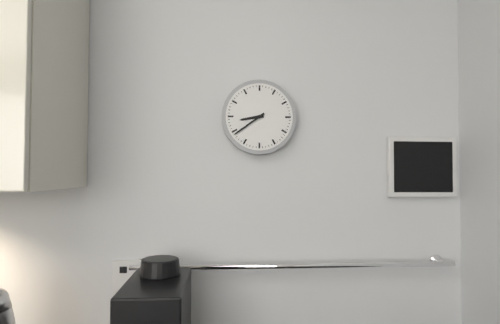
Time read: 8h39
